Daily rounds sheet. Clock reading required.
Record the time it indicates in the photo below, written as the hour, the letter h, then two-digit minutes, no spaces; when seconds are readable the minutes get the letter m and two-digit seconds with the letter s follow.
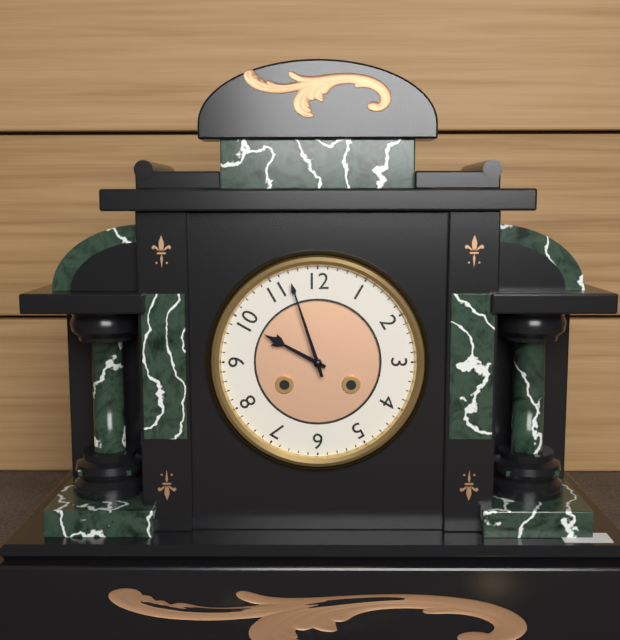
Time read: 9h57
